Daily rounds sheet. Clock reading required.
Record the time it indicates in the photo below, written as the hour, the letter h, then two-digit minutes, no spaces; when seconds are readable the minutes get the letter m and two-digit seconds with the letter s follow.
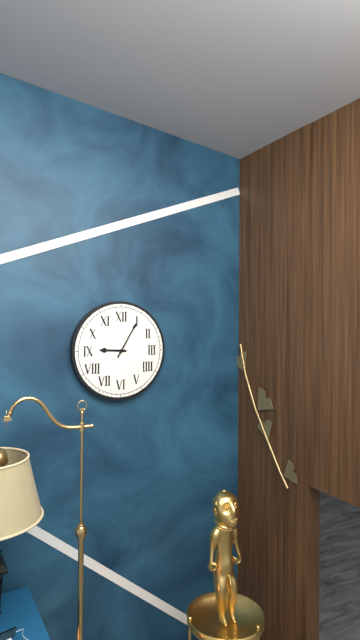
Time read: 9h05
